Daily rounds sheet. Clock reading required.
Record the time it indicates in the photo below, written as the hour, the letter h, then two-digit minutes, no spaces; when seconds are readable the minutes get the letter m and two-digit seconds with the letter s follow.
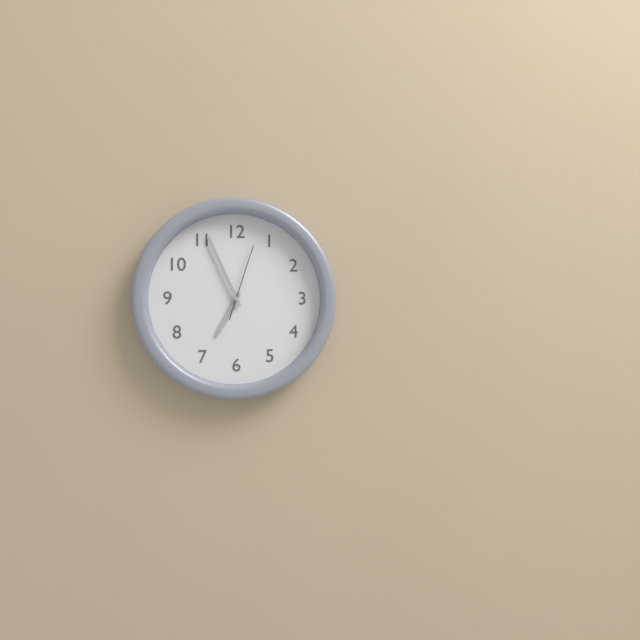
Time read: 6h56m03s
